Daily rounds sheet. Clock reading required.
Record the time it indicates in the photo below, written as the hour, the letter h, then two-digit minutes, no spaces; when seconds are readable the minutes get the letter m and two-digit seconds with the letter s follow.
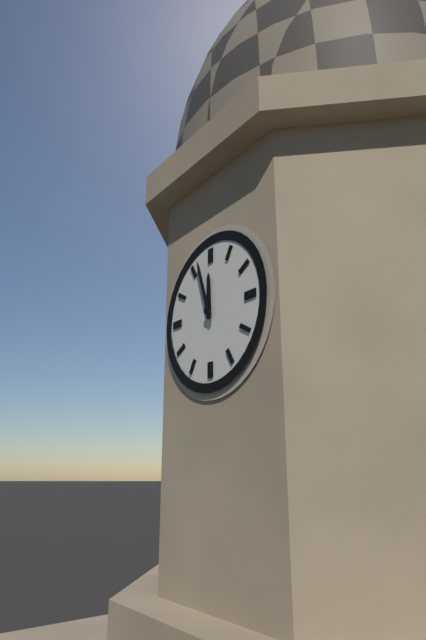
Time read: 11h57
